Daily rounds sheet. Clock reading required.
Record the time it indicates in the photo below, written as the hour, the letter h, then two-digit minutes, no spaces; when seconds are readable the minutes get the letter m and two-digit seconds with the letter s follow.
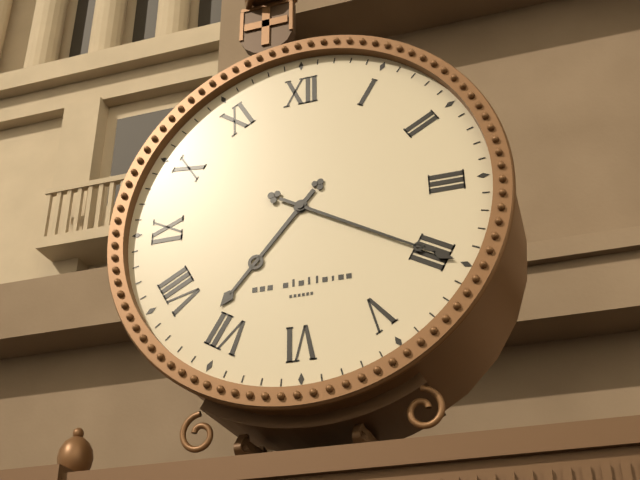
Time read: 7h20
